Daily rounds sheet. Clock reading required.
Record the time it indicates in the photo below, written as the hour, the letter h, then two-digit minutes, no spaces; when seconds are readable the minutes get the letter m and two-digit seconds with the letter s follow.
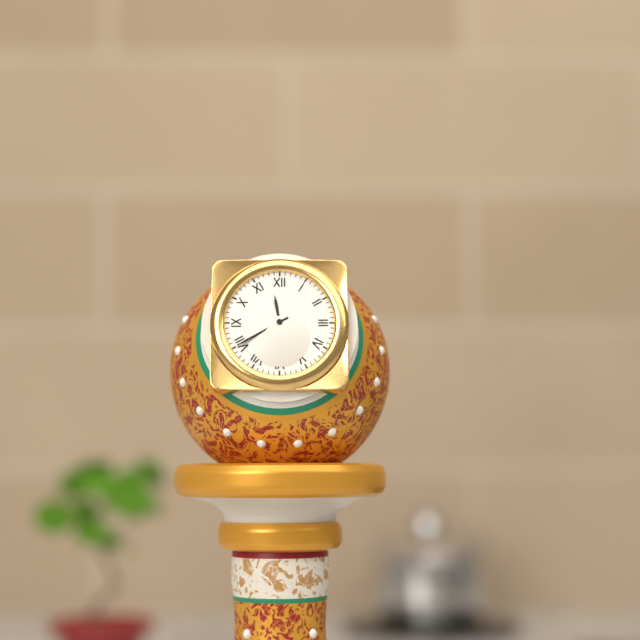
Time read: 11h40
